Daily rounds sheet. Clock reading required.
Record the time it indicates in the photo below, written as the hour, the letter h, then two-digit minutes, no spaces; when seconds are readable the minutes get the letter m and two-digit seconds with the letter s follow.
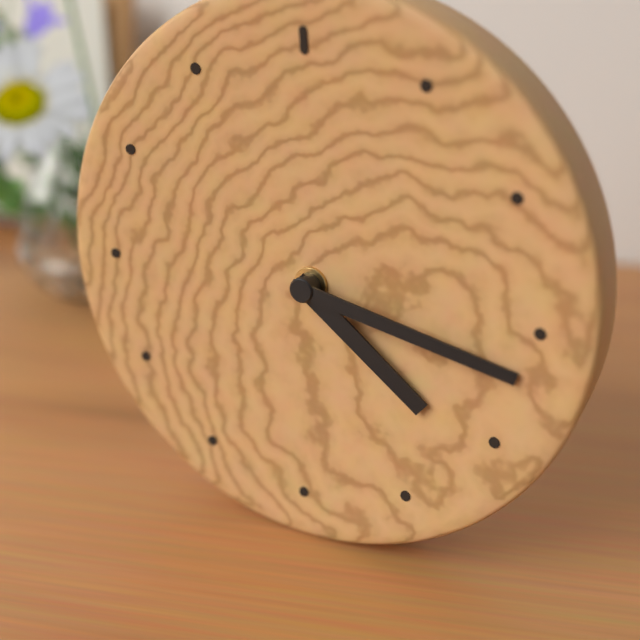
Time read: 4h17
